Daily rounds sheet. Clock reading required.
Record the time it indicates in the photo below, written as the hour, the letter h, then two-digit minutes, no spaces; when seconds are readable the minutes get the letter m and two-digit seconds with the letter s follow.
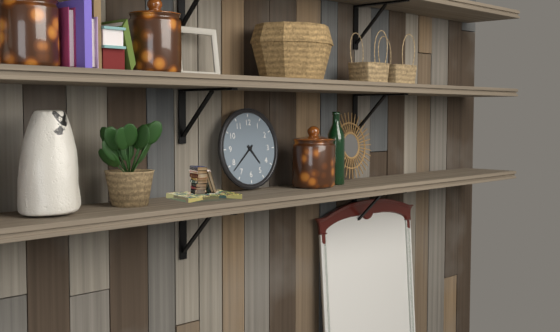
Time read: 4h38
